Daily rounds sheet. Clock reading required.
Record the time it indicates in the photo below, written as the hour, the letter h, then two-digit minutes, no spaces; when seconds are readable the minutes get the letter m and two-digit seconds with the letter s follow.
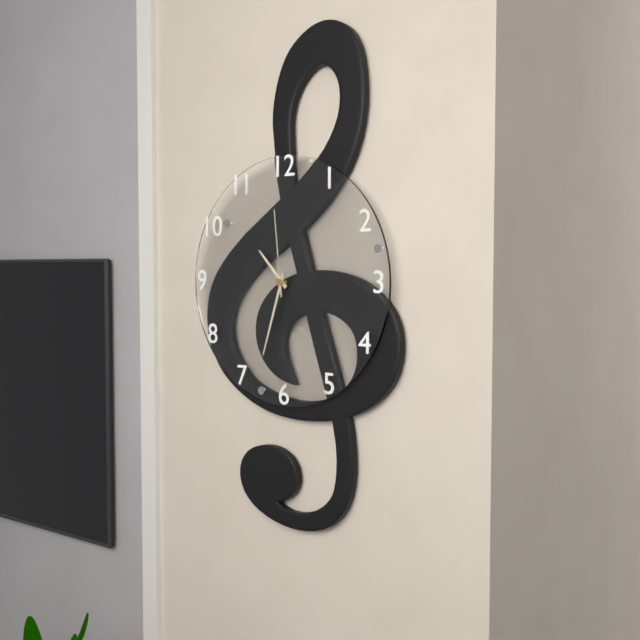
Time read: 10h33m59s
